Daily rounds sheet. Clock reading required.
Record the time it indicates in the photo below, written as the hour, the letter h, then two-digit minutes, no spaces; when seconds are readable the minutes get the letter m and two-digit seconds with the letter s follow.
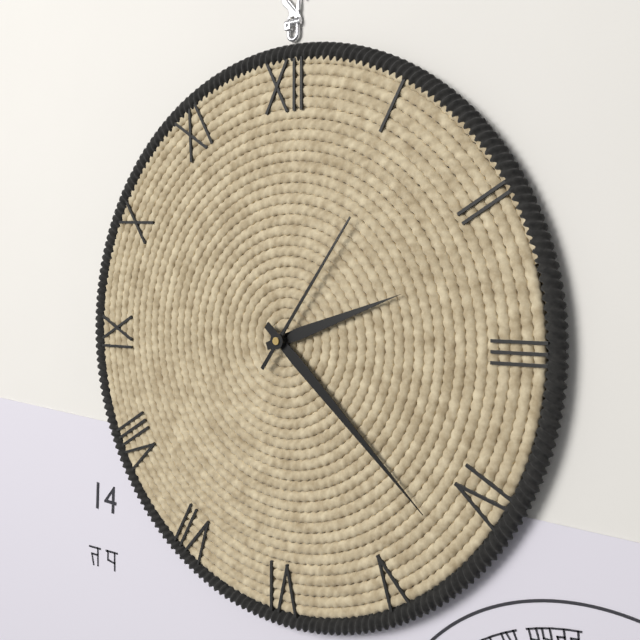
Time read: 2h22m06s
